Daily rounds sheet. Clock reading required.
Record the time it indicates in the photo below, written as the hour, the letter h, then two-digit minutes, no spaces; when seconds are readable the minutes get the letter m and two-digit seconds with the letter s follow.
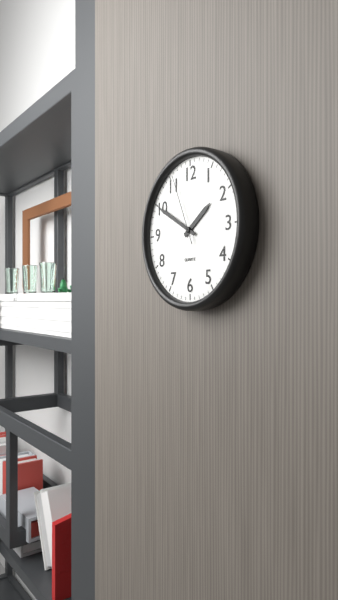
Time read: 1h50m56s
